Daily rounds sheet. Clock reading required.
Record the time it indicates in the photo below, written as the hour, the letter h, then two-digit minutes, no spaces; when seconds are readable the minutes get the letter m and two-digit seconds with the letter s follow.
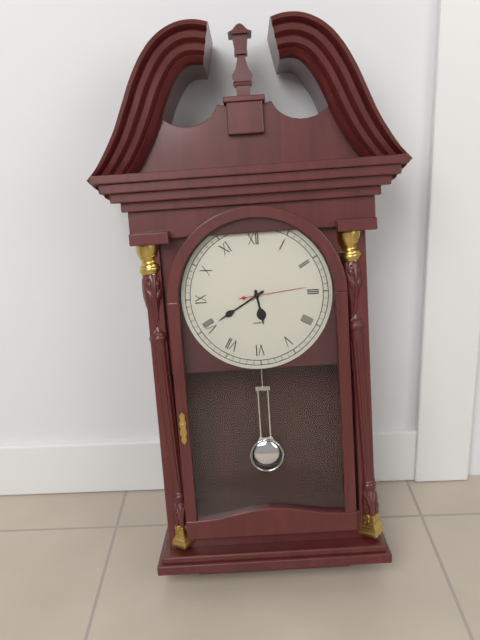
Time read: 5h40m14s
